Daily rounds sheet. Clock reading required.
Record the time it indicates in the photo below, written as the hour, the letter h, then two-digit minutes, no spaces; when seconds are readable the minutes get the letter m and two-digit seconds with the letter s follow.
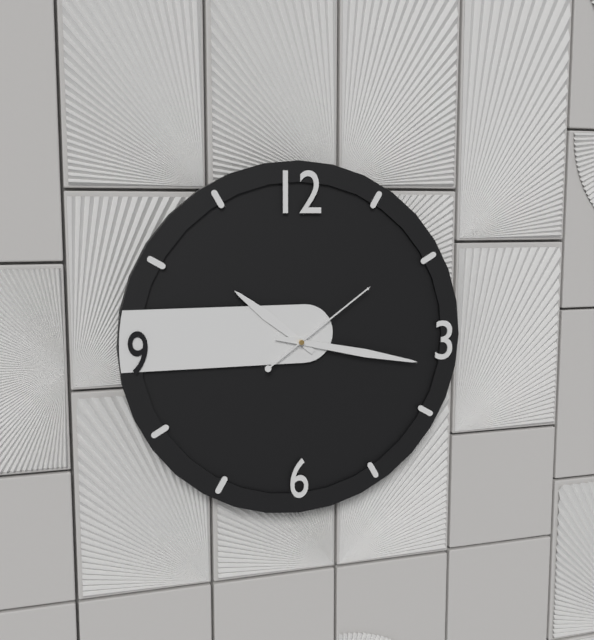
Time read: 10h17m09s
